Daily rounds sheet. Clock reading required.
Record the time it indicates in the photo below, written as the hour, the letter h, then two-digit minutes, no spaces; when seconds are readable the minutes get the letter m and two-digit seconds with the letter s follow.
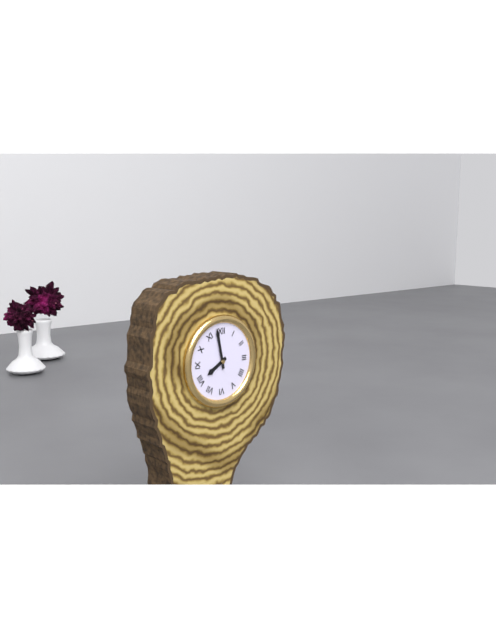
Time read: 7h58
